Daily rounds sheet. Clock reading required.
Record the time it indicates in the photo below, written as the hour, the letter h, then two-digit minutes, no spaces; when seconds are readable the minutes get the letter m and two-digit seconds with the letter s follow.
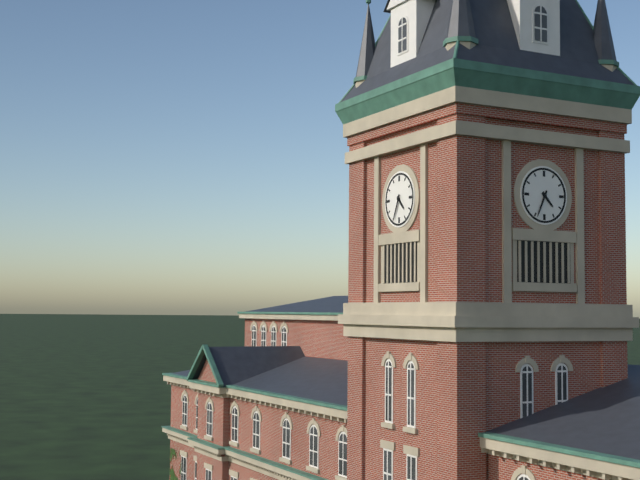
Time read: 4h34
